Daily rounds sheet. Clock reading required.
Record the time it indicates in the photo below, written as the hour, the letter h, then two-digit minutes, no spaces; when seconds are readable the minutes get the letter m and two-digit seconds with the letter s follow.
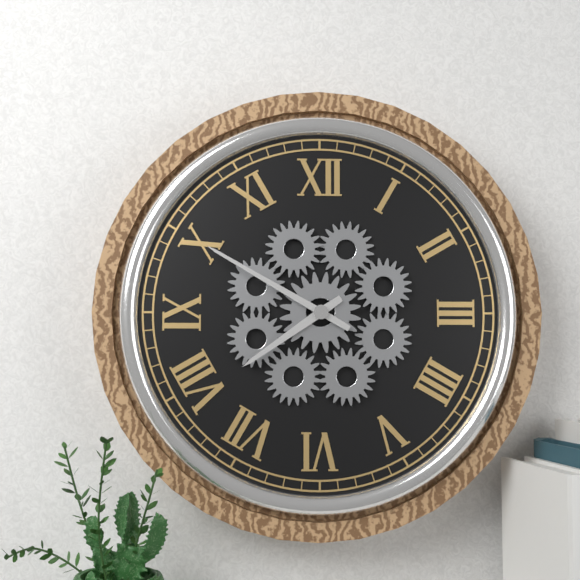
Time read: 7h50
